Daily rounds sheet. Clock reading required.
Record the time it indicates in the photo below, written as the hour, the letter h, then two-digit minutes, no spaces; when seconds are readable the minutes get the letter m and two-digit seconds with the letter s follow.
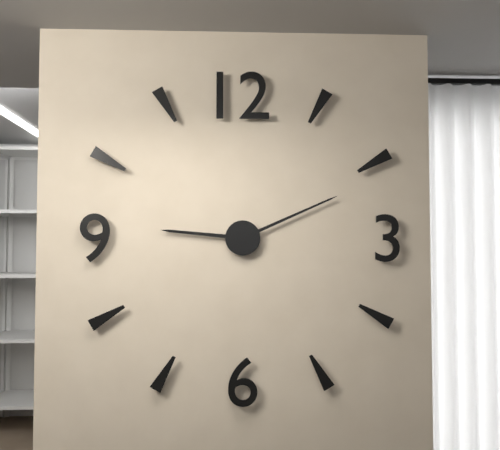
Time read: 9h11
